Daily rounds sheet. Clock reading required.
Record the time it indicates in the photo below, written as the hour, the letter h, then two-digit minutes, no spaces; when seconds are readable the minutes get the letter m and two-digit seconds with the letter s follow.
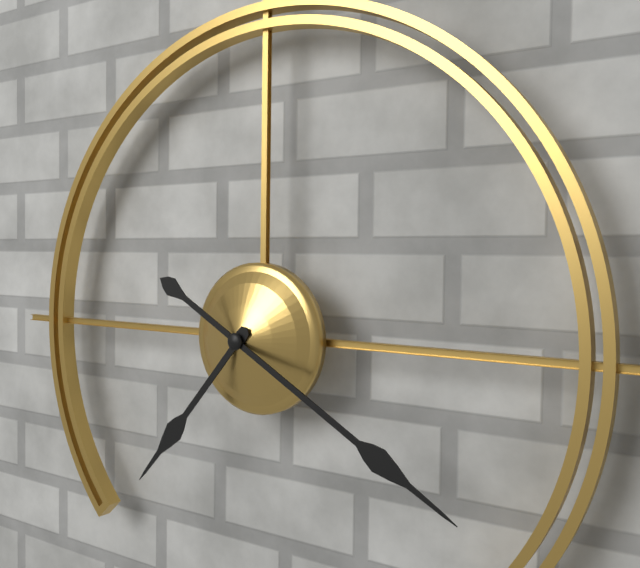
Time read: 7h20
